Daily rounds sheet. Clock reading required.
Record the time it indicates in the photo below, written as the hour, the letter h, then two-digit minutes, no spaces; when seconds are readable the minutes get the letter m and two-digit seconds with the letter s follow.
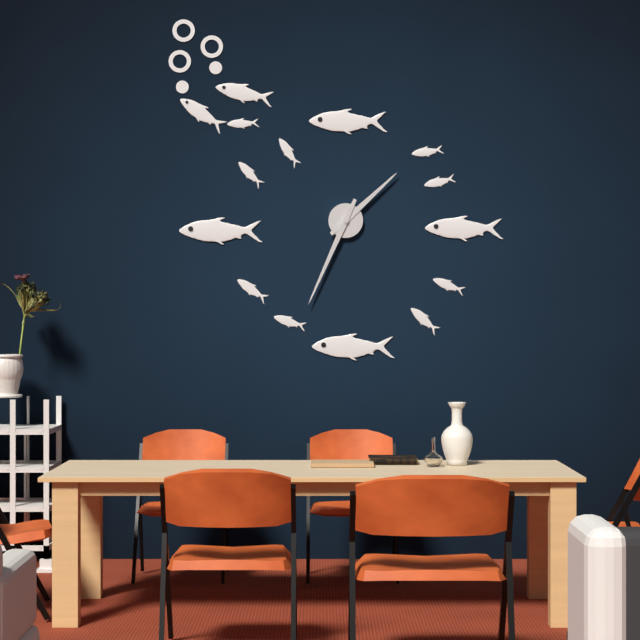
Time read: 1h34
